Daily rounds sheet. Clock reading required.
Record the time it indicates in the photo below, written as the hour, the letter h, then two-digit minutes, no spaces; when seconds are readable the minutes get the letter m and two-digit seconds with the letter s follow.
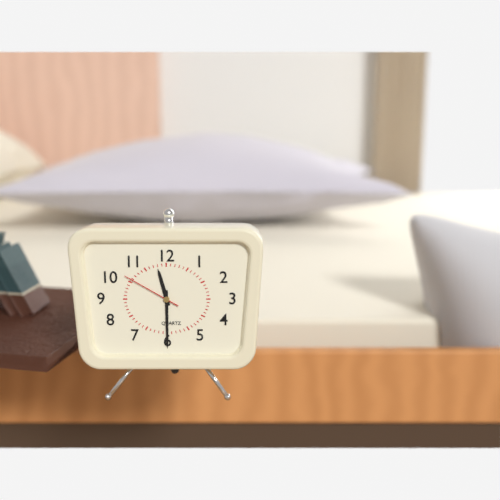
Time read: 11h30m50s
